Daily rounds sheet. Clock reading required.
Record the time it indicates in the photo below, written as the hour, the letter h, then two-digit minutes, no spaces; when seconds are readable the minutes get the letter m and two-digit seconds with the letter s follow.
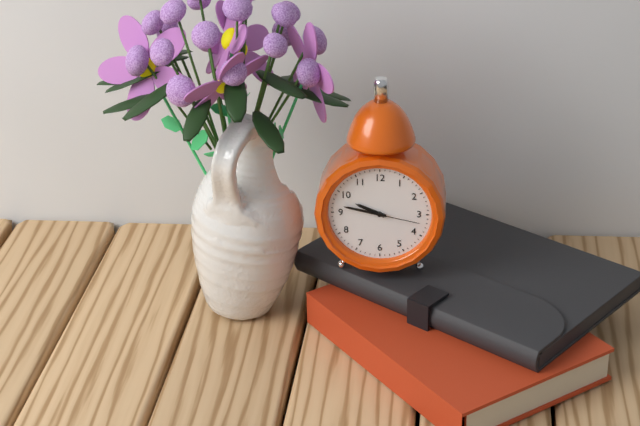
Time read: 9h47m17s
